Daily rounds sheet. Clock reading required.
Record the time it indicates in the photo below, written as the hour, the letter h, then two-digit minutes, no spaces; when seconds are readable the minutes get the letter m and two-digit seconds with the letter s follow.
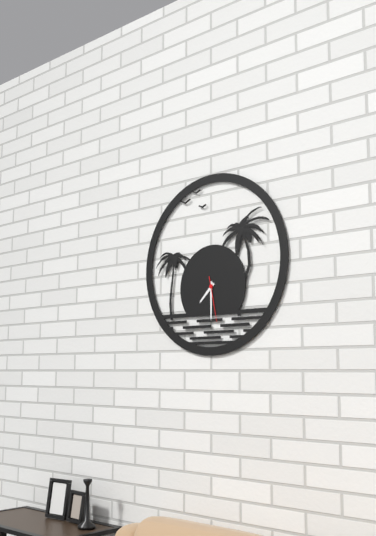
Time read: 7h30
